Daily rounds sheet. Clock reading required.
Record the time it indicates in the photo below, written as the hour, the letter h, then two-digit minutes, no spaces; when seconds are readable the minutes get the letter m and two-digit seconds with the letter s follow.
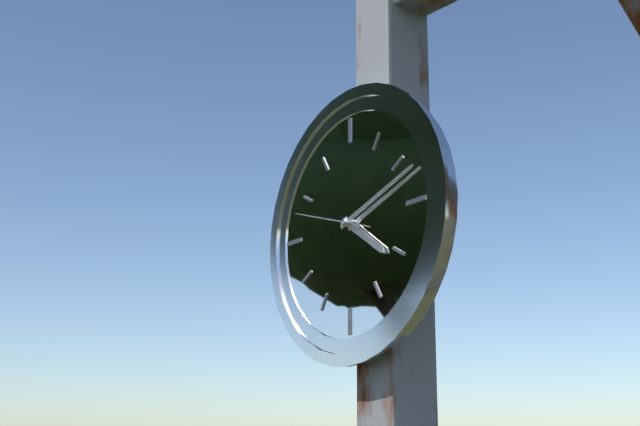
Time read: 4h12m48s
